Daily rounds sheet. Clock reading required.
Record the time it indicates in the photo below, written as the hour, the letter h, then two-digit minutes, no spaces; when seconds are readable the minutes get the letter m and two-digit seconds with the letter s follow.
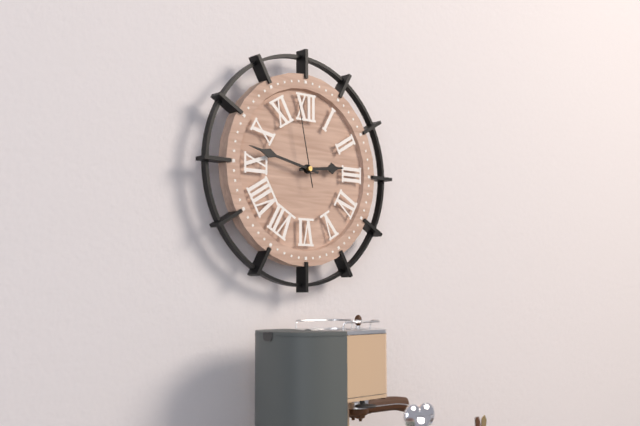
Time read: 2h47m58s
